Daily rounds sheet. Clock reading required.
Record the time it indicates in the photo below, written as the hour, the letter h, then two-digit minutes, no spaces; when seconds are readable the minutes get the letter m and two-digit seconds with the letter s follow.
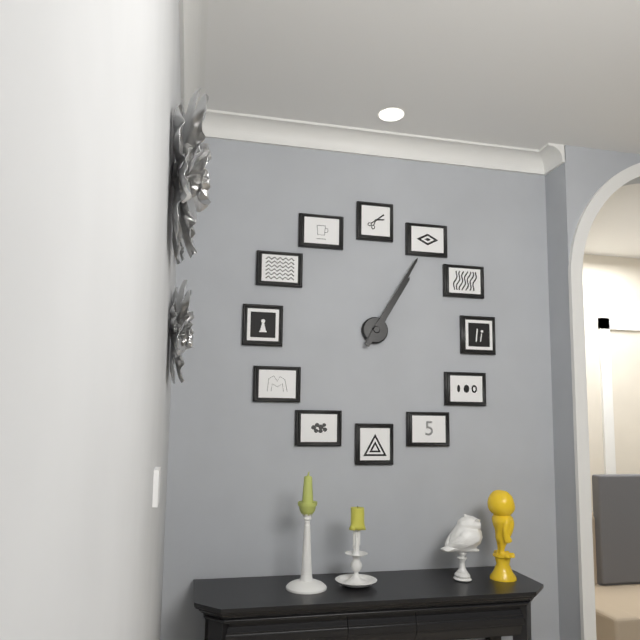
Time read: 1h05
